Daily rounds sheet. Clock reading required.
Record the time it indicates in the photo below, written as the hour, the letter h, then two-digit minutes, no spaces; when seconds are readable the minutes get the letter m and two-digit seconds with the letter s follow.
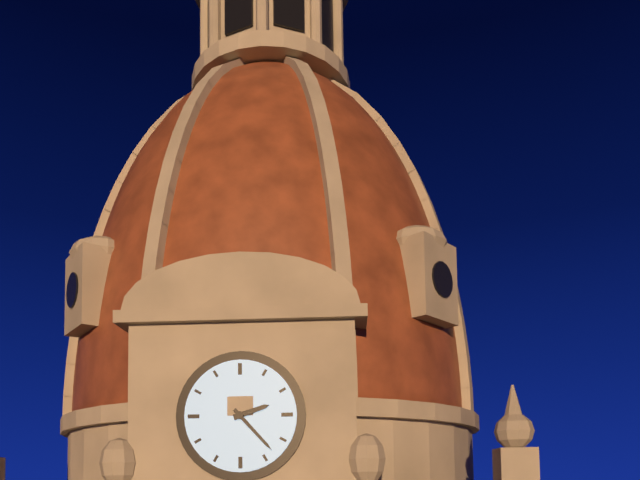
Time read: 2h23
